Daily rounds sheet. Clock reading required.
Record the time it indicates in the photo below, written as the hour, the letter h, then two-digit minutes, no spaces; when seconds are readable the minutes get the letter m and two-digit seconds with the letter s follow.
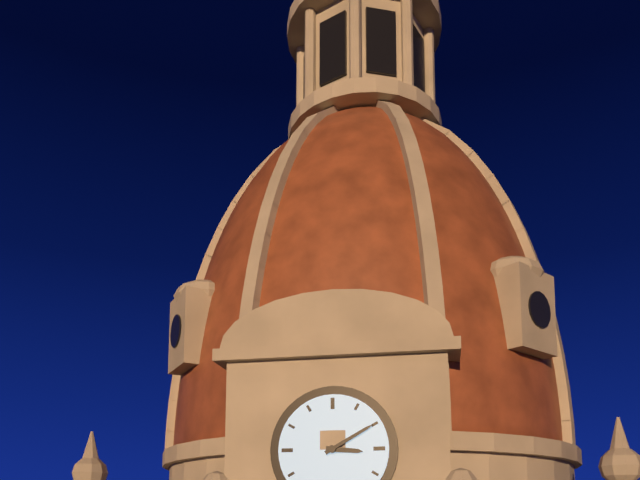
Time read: 3h10
